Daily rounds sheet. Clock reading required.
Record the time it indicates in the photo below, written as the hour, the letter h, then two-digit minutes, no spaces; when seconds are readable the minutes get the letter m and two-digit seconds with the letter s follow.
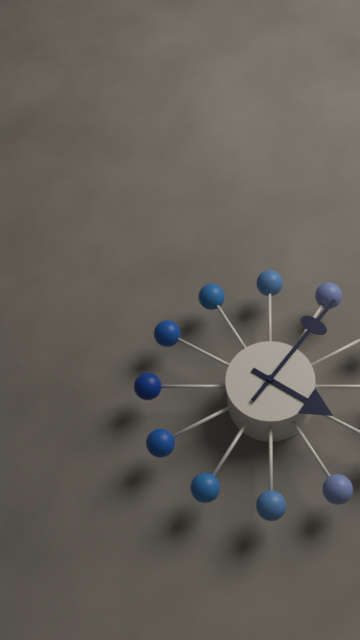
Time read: 4h06
